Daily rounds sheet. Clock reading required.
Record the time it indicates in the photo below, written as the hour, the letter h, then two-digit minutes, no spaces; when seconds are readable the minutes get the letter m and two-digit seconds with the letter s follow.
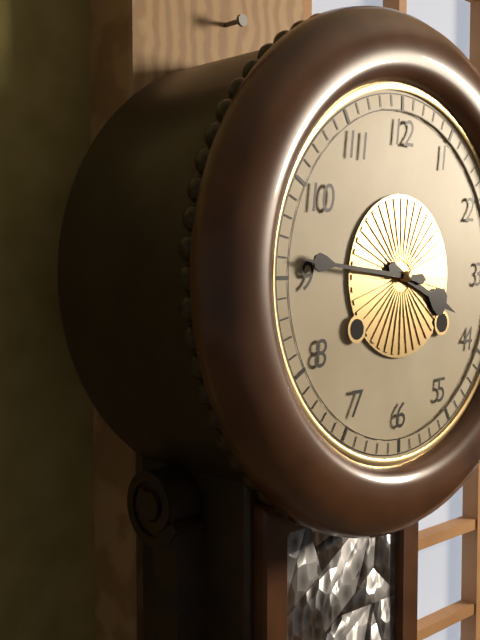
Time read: 3h46
